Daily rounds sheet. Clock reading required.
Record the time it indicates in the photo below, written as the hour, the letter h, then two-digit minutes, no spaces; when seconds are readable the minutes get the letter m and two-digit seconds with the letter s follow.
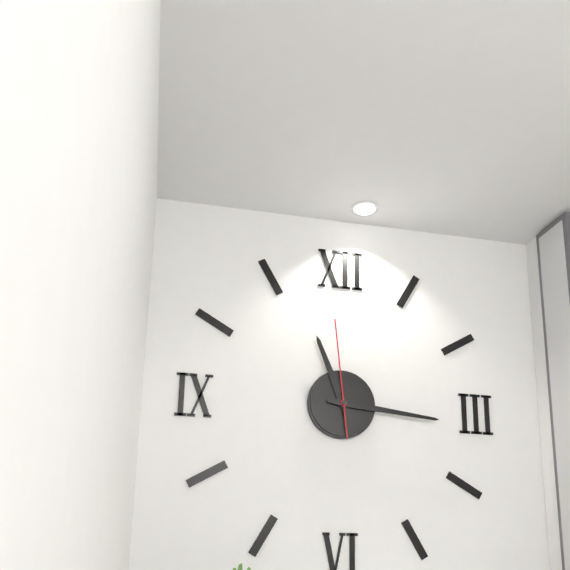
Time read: 11h16m59s
